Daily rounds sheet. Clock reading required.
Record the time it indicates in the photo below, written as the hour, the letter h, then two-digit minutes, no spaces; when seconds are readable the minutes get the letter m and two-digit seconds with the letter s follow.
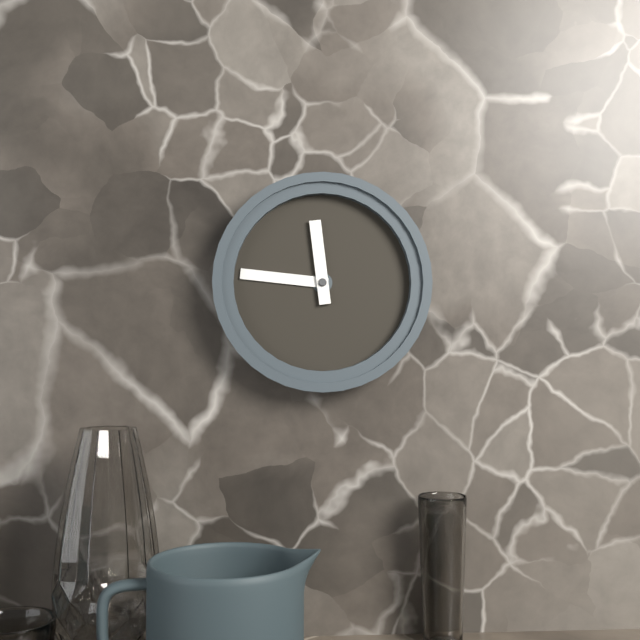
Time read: 11h46
